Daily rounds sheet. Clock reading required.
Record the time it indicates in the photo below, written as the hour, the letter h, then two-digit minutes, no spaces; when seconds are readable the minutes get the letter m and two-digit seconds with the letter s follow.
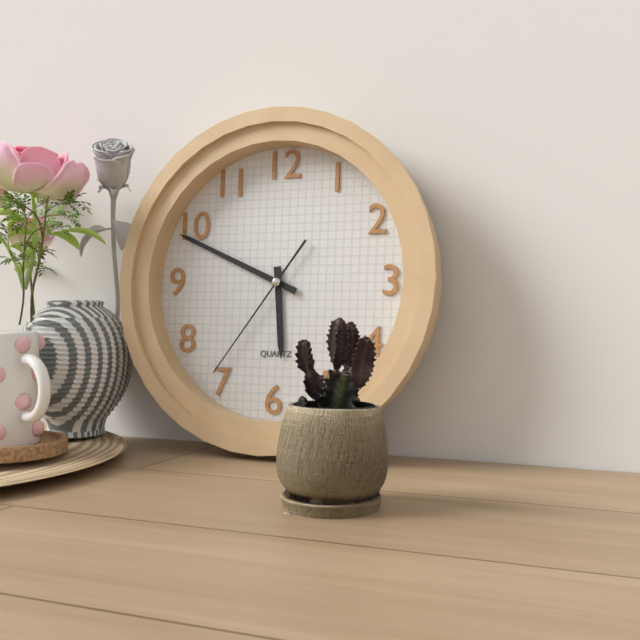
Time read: 5h49m36s
